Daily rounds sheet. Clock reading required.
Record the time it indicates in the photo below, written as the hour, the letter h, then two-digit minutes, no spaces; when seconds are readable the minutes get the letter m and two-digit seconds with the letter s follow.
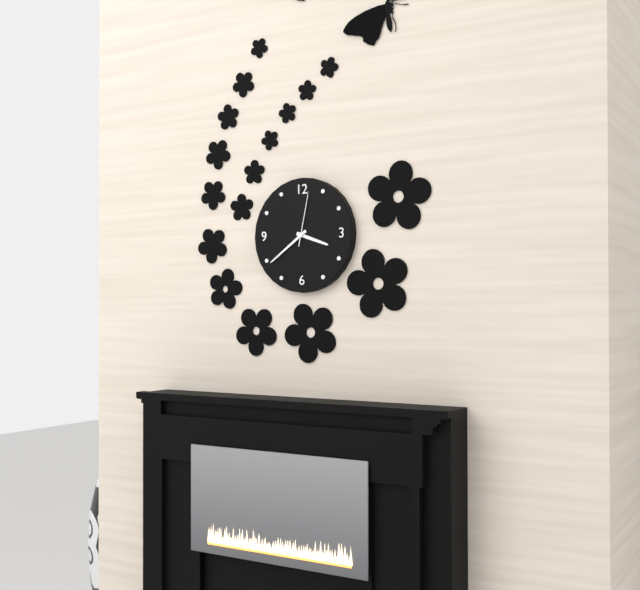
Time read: 3h39m02s
